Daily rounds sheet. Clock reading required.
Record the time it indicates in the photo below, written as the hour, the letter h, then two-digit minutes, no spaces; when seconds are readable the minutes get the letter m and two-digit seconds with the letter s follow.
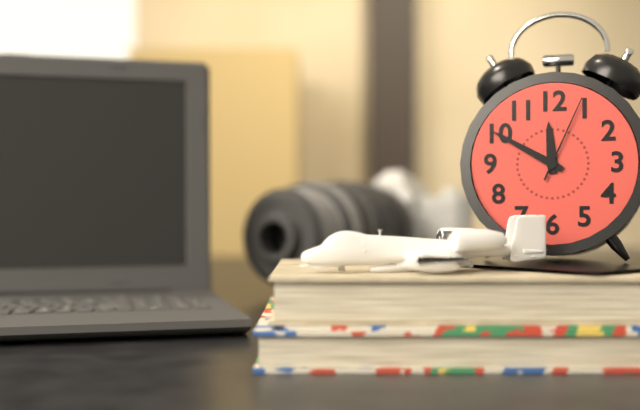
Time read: 11h50m04s
